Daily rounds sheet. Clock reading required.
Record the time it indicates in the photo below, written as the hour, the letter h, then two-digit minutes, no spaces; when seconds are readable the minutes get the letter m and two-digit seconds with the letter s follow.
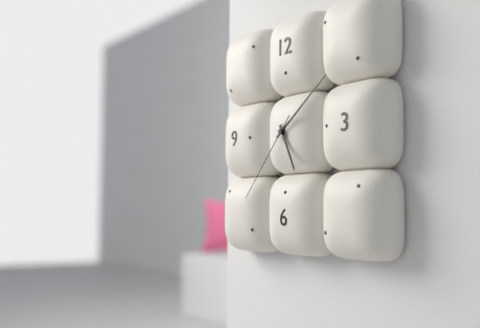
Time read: 5h09m37s
